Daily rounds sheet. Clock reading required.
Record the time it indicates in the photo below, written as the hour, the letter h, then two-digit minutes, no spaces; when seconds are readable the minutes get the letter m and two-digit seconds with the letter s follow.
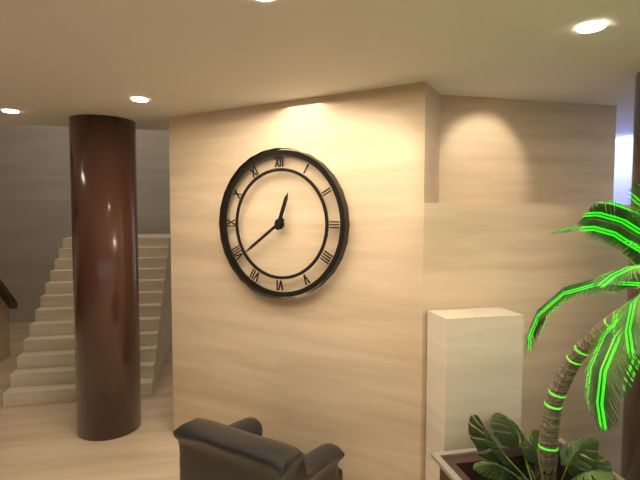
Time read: 12h39
